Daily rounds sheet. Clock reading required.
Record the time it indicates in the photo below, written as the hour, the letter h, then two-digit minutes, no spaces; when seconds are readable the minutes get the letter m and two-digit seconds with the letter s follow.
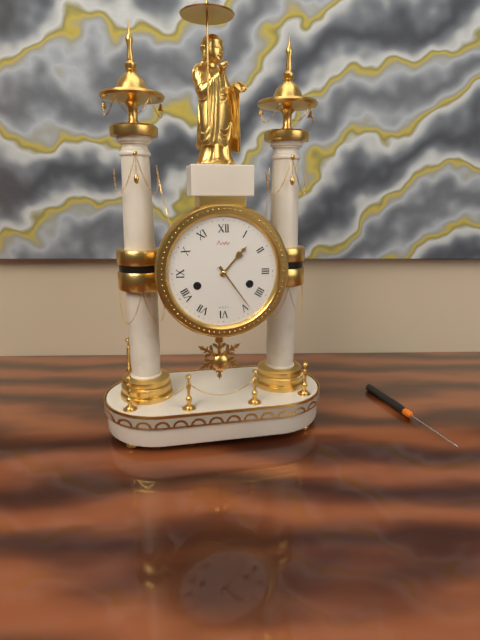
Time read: 1h24
